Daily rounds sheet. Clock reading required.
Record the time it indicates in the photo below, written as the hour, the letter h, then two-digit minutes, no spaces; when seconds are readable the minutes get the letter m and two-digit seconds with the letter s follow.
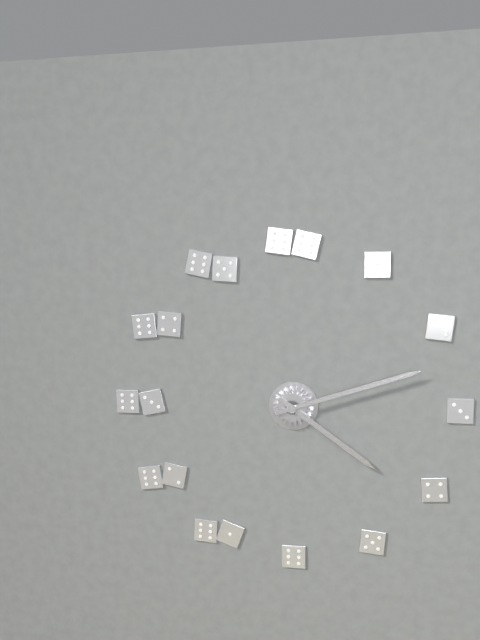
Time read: 4h12
